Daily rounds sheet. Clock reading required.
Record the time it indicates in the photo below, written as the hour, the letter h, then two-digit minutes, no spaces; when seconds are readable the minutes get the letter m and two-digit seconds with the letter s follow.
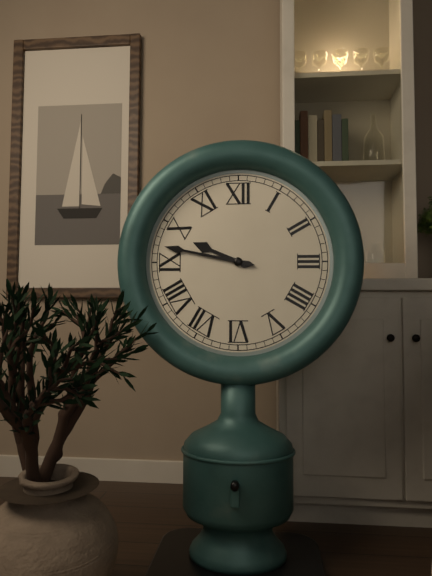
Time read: 9h47
